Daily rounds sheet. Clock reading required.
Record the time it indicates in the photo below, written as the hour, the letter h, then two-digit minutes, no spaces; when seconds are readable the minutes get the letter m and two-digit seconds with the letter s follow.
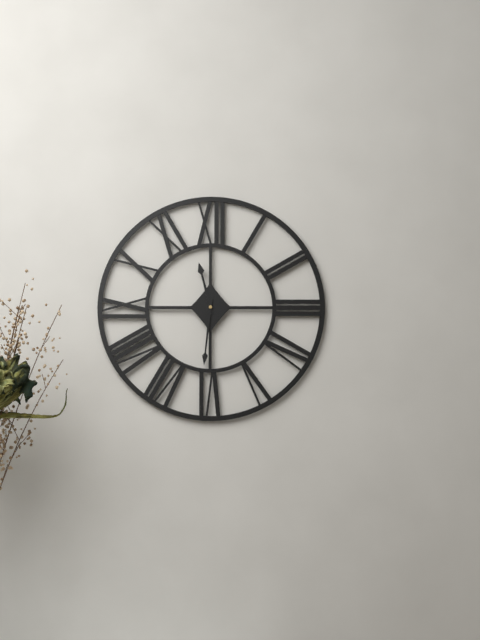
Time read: 11h31
